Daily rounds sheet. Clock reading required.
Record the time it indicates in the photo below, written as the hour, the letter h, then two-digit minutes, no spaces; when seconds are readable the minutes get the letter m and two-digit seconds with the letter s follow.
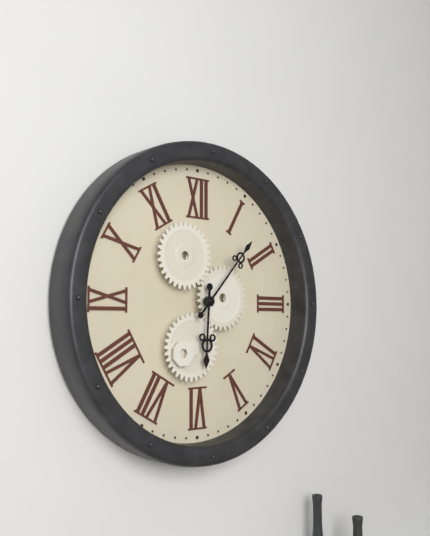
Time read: 6h07
